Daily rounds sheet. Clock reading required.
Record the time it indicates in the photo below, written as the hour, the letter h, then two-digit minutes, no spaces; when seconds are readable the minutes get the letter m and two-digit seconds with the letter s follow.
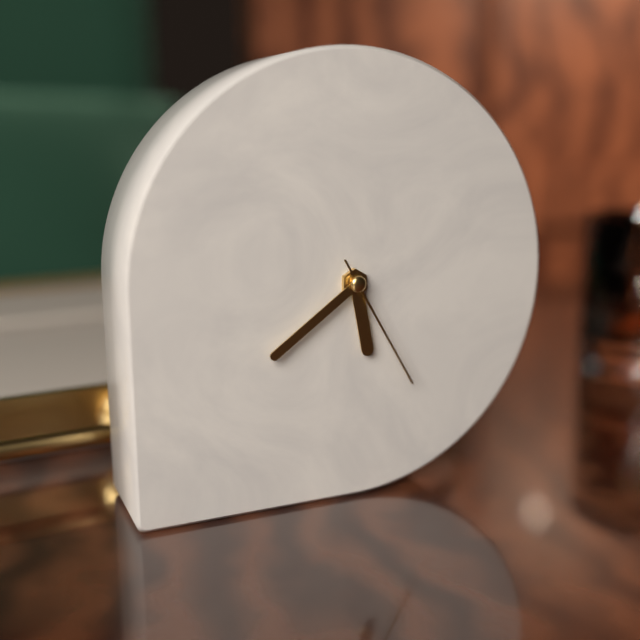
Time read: 5h39m25s
